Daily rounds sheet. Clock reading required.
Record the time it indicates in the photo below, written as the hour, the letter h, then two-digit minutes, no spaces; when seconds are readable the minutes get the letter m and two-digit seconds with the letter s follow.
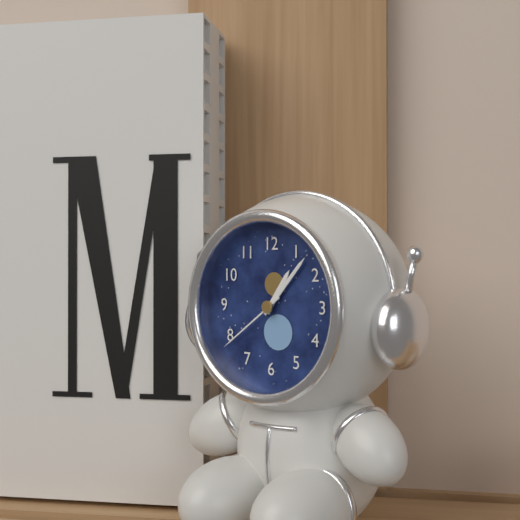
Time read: 1h07m39s
